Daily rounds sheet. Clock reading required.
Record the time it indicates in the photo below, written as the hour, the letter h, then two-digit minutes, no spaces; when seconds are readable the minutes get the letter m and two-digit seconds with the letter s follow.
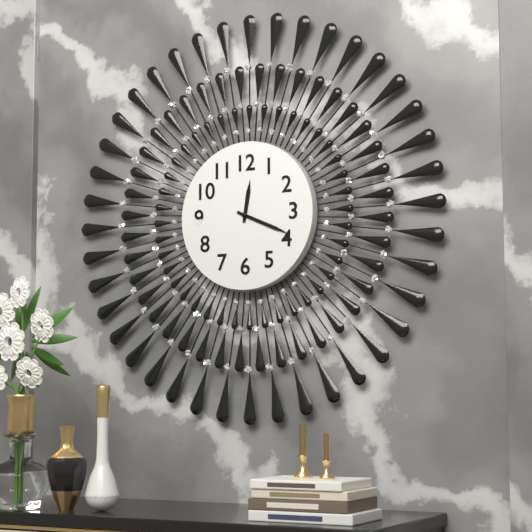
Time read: 12h19
